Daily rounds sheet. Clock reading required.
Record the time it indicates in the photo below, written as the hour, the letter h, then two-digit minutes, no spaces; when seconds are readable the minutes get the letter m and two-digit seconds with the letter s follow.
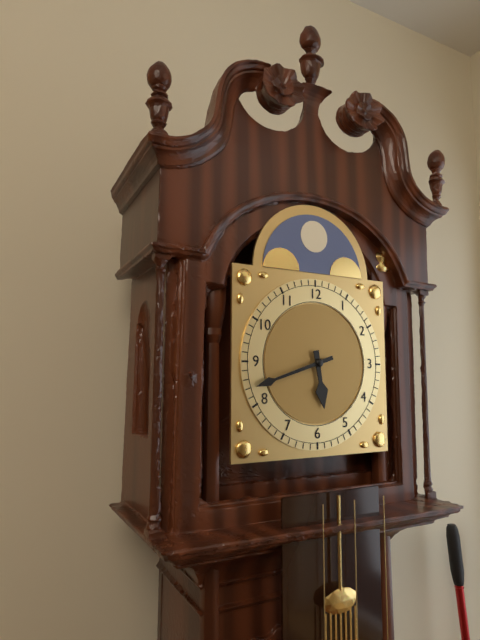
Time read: 5h42
